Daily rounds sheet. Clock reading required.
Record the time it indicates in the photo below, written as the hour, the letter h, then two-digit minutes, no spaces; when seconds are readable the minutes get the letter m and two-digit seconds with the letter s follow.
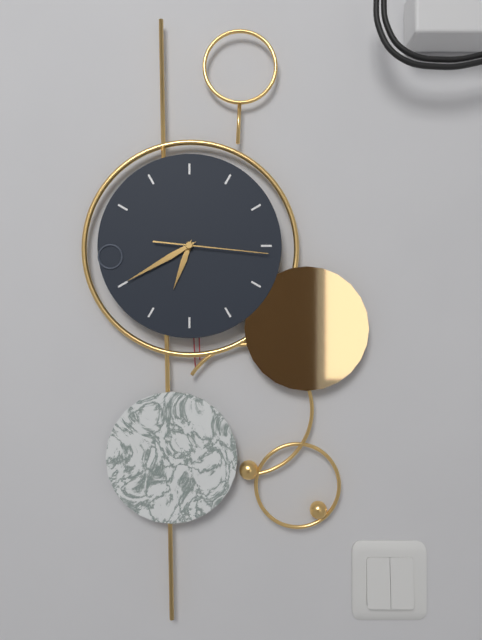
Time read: 6h40m16s
